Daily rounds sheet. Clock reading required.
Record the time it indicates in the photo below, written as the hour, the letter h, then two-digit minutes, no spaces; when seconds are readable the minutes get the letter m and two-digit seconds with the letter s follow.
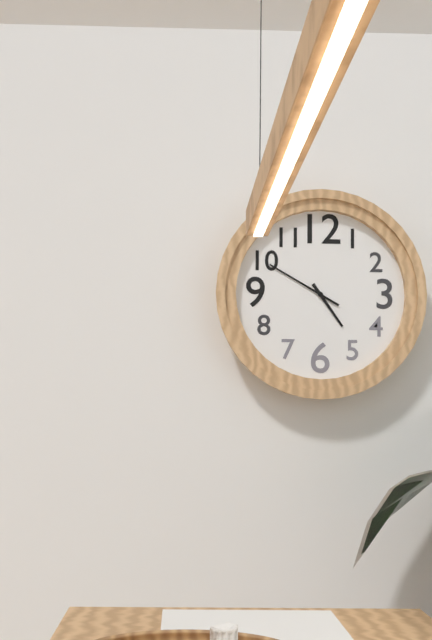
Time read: 4h50
